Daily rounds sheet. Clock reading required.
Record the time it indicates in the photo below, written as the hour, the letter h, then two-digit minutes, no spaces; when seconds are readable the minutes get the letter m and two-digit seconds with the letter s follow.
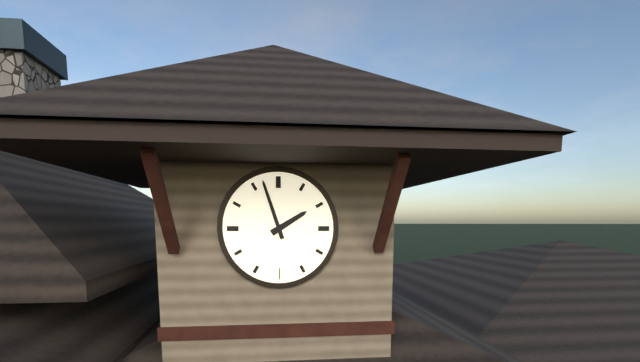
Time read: 1h57
